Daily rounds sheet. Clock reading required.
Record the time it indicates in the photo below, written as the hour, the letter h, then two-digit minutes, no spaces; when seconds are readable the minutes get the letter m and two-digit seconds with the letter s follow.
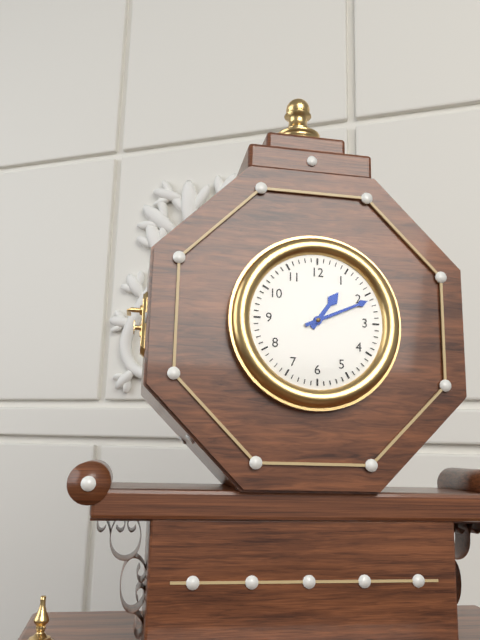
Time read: 1h11
